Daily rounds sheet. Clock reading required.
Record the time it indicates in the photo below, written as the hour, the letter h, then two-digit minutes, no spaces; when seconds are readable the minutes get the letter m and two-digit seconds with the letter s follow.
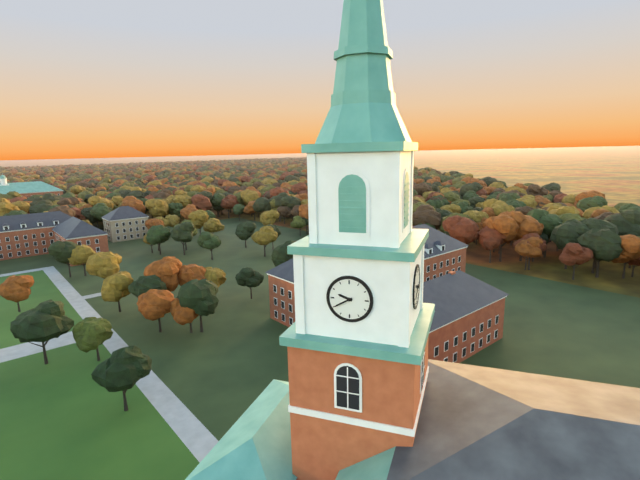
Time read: 9h40
